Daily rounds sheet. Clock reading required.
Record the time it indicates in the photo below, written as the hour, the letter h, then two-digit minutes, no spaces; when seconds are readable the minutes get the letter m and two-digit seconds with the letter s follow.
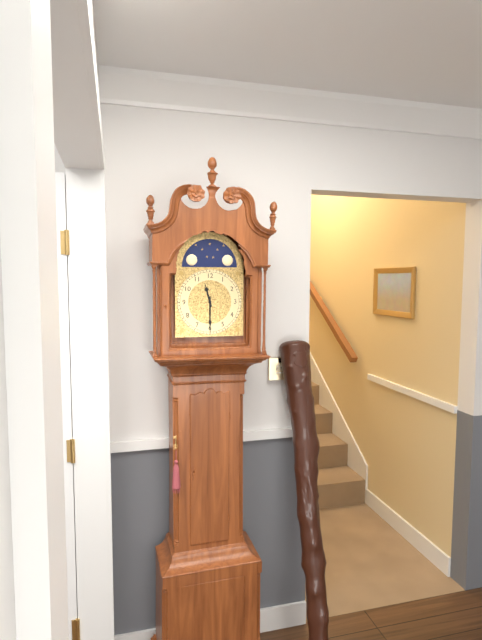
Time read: 11h30
